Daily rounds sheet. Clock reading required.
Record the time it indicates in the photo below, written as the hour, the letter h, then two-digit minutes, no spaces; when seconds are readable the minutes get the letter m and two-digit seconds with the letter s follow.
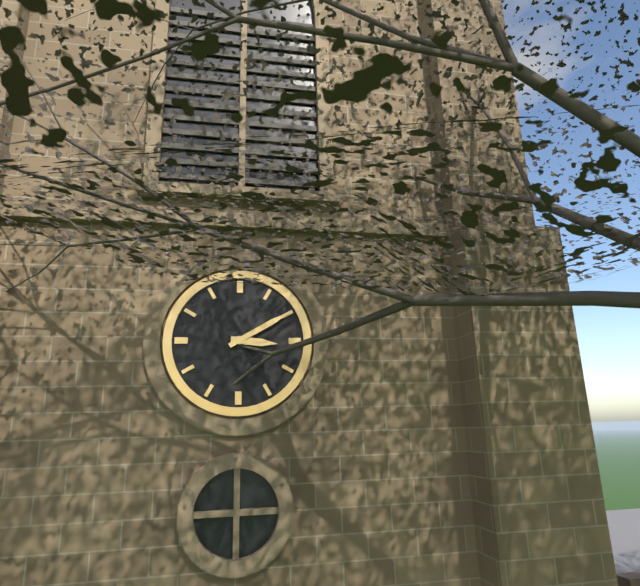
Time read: 3h10
